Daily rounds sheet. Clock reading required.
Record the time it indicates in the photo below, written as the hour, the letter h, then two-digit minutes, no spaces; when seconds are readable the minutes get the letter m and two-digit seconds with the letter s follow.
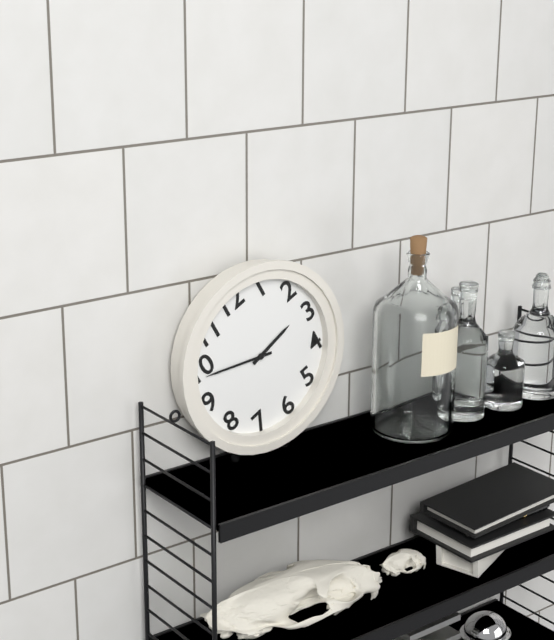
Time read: 2h49
